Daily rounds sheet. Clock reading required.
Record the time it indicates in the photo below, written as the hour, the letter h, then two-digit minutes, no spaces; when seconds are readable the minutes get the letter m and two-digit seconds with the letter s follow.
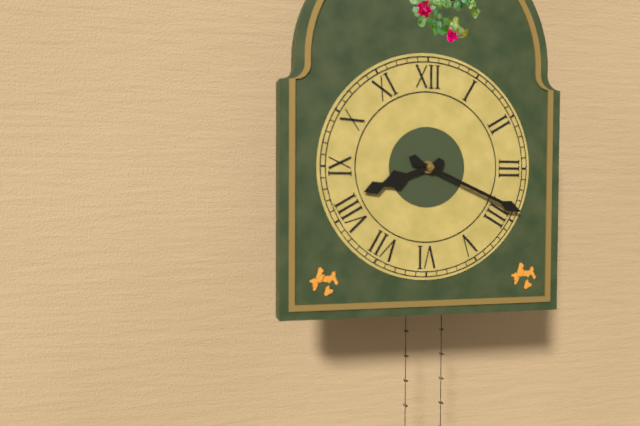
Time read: 8h19
